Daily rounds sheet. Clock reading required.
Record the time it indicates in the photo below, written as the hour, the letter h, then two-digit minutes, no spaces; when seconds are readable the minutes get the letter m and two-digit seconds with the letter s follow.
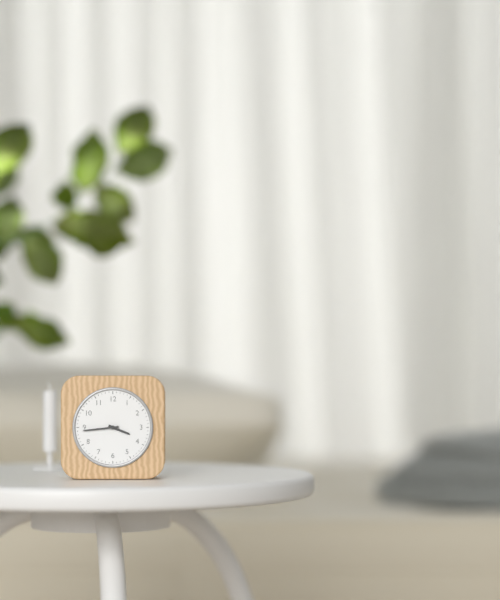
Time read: 3h44
